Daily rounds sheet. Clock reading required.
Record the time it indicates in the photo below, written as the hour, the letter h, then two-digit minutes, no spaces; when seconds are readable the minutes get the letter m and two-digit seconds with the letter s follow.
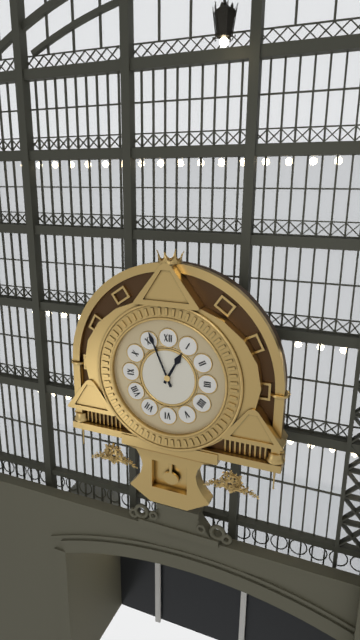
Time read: 12h56
